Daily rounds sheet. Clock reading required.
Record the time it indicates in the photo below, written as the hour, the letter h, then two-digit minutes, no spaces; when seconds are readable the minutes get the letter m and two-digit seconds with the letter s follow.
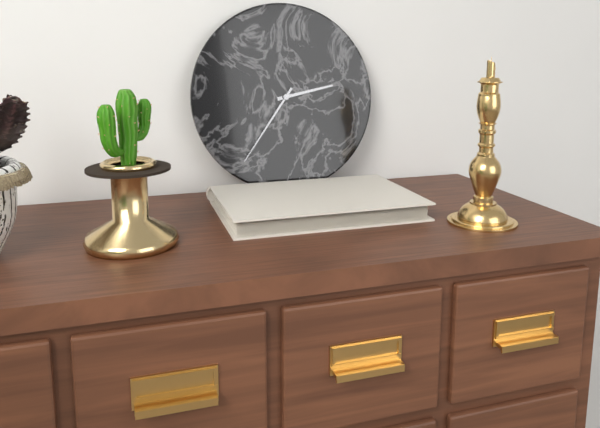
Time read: 2h36
